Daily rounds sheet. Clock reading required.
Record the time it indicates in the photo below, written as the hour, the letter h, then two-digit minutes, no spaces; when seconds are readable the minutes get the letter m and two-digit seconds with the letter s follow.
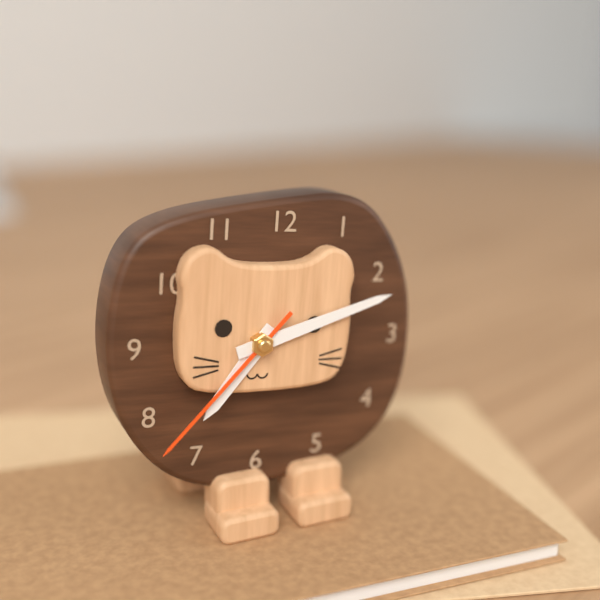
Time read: 7h12m37s
